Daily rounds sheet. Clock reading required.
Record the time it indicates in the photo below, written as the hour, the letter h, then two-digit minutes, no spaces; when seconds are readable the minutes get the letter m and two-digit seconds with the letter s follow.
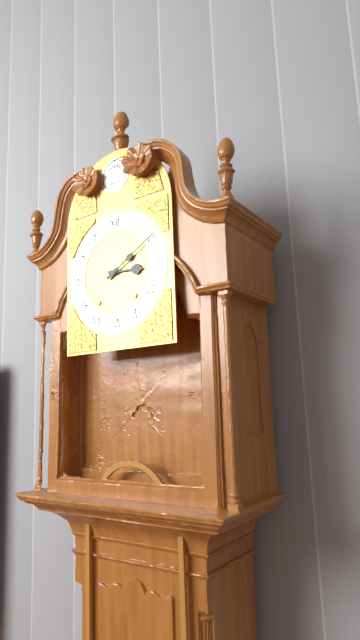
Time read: 3h10
